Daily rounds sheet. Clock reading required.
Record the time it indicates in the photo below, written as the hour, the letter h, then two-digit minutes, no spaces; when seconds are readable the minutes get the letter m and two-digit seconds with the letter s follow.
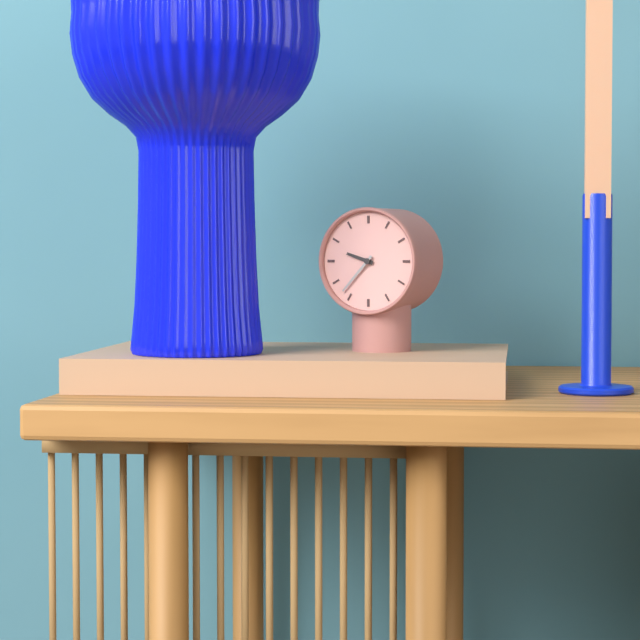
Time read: 9h37
